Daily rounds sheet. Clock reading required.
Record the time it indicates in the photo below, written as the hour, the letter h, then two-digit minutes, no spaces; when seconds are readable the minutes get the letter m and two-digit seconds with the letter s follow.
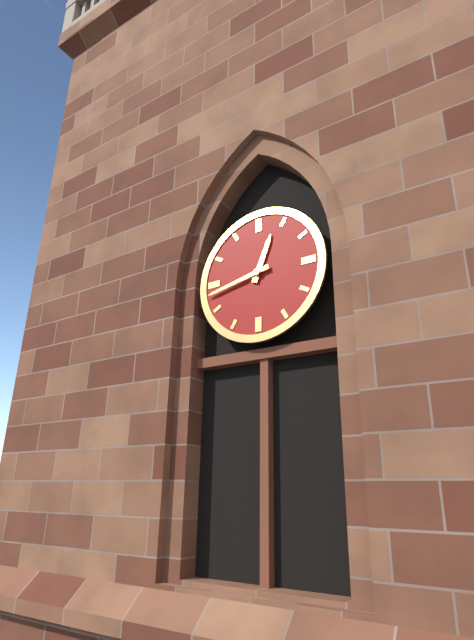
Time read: 12h43
